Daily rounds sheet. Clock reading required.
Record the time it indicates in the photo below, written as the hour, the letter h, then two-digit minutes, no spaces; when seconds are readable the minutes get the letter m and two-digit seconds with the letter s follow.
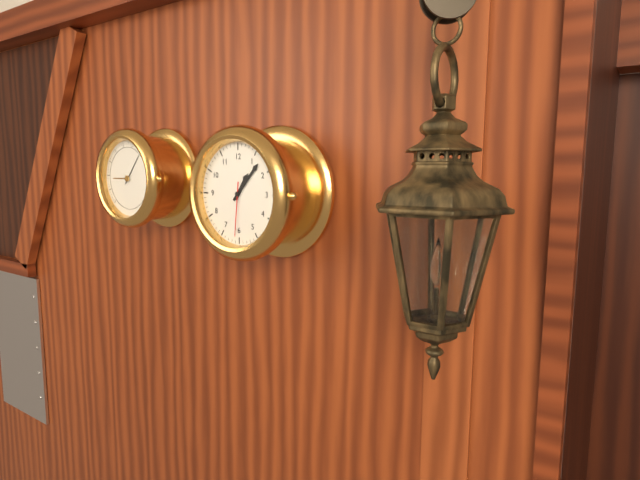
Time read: 1h07m31s
